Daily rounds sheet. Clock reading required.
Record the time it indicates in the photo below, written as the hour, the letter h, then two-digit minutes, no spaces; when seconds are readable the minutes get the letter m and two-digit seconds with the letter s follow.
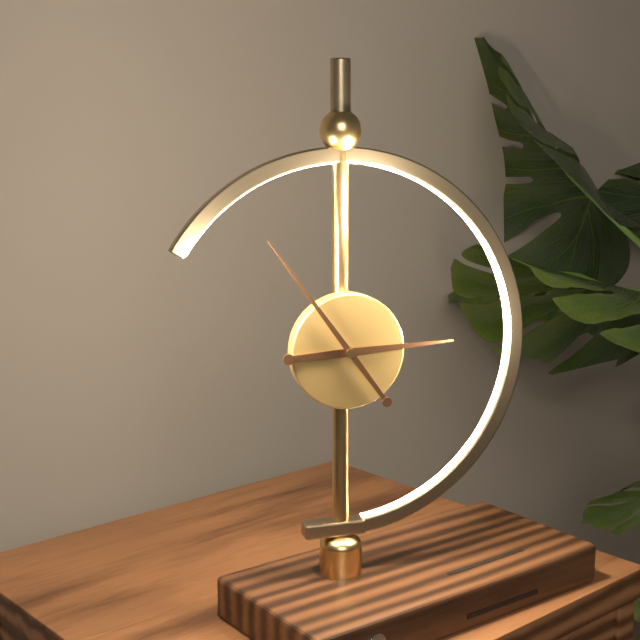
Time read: 2h54
